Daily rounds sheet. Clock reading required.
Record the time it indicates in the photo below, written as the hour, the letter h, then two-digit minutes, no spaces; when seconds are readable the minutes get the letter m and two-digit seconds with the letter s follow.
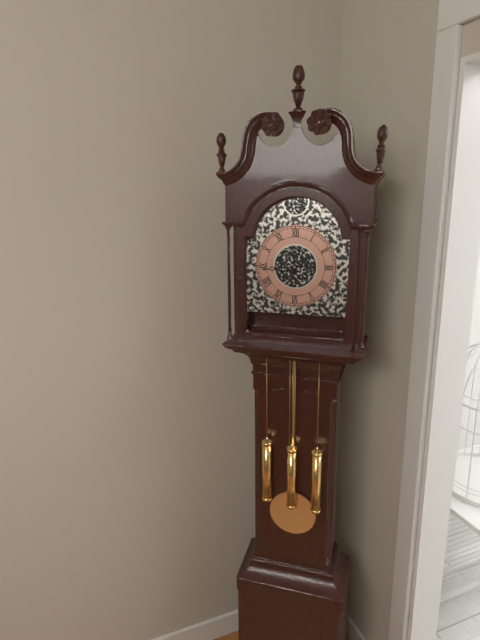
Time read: 11h44
